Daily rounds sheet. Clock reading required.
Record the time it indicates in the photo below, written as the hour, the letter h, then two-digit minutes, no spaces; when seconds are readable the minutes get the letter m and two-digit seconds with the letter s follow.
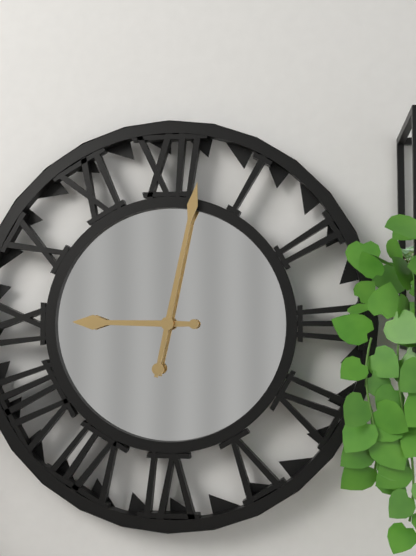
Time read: 9h02
